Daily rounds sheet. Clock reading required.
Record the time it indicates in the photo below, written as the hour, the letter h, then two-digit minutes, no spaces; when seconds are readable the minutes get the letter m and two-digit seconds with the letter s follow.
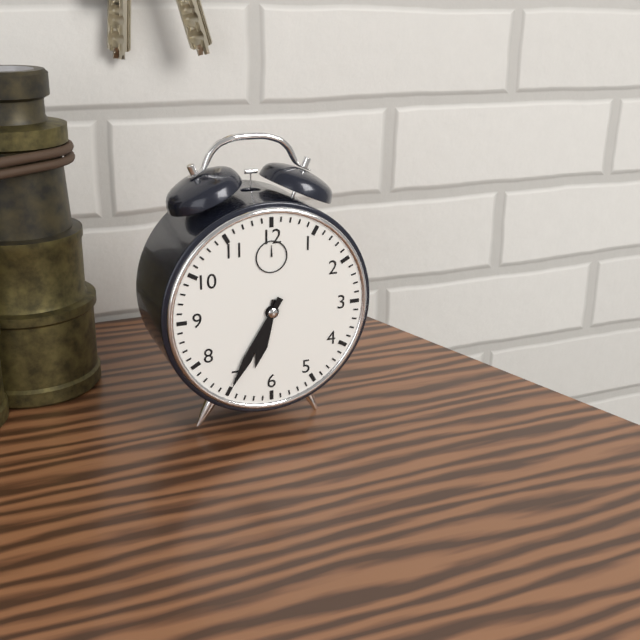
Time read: 6h35
